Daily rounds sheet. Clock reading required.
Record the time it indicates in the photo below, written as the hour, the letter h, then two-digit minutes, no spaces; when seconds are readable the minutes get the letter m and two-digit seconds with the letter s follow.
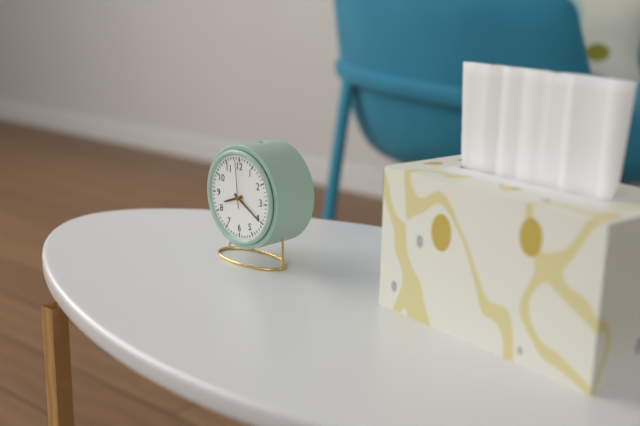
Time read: 8h20
